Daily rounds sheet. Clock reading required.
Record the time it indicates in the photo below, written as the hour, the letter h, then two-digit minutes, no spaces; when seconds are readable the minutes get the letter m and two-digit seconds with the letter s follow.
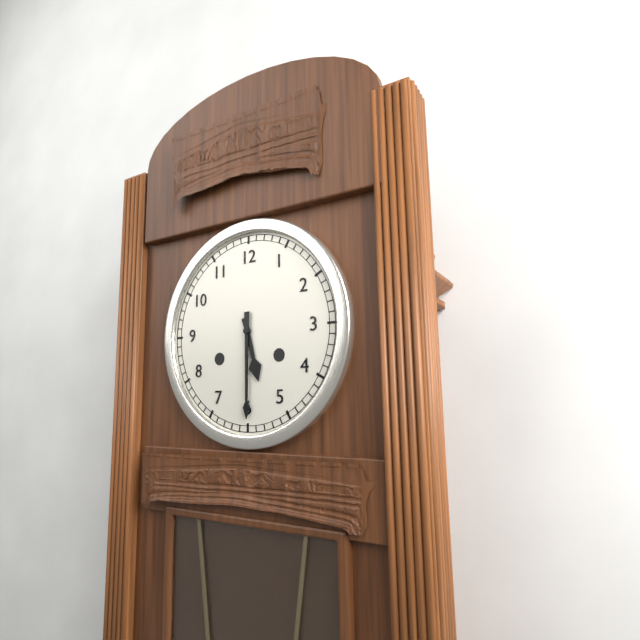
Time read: 5h30
